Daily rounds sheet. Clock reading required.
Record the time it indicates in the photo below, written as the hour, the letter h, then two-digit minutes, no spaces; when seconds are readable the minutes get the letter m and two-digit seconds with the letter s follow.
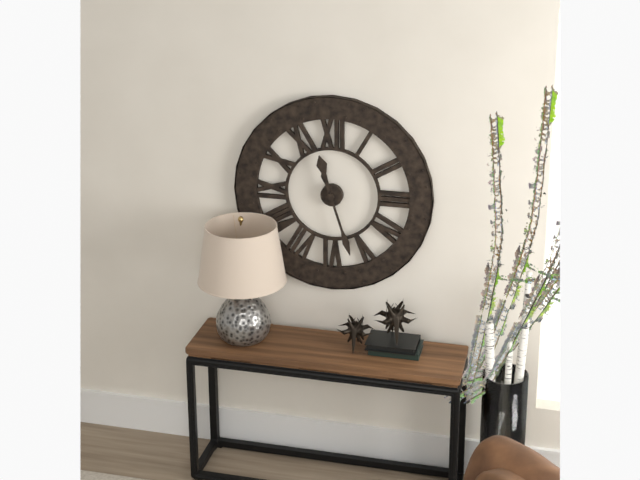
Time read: 11h27
